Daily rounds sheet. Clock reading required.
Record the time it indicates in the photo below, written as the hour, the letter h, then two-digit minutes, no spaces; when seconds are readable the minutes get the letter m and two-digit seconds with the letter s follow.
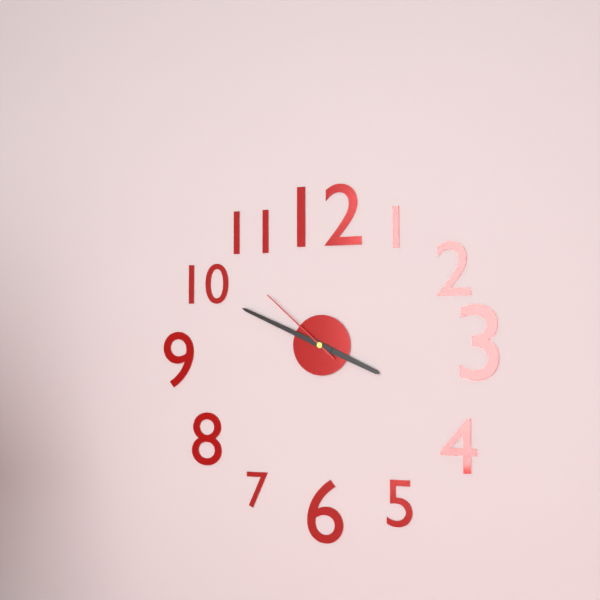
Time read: 3h49m52s
